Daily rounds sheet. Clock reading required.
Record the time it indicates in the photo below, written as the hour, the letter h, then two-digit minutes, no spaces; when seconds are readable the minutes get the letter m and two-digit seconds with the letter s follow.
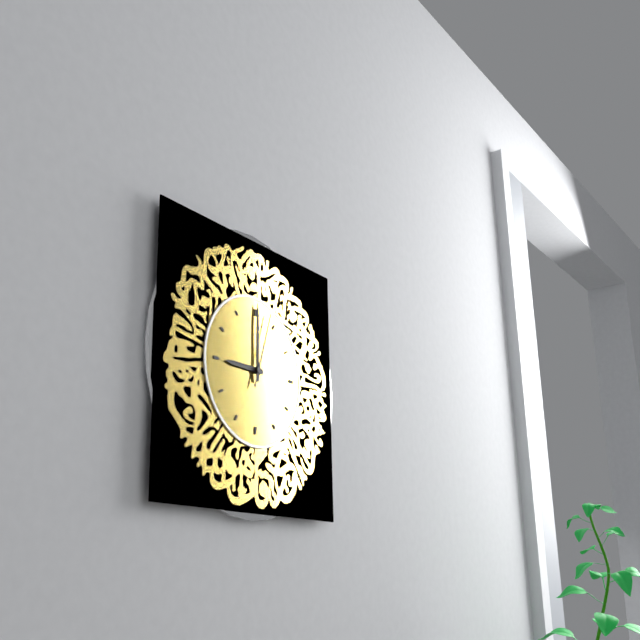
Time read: 9h00m03s
